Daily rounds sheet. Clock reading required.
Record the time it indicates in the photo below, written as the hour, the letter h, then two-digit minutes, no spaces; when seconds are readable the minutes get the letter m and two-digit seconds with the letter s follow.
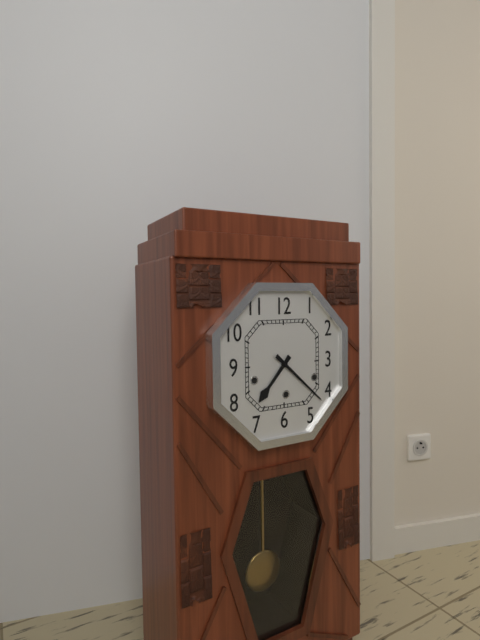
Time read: 7h22
